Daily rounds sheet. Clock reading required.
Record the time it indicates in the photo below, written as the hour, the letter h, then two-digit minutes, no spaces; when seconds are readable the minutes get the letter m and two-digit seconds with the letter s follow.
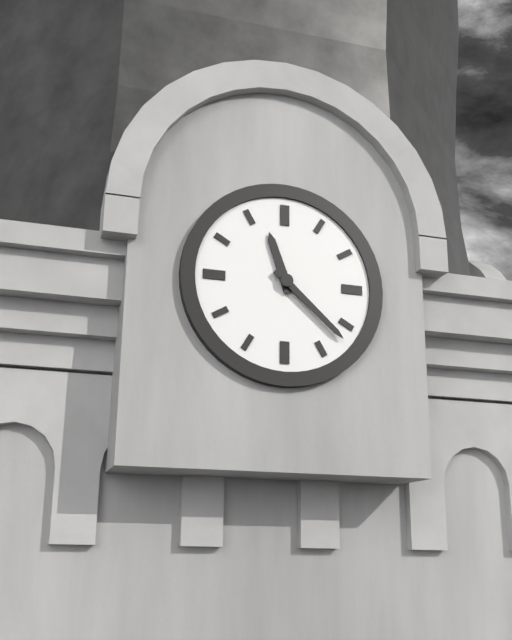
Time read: 11h22
